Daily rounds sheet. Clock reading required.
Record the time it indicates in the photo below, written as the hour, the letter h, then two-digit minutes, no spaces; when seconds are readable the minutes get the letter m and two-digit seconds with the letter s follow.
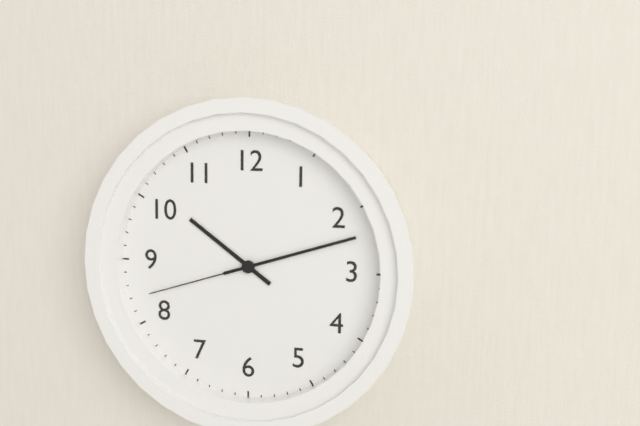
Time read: 10h12m42s
